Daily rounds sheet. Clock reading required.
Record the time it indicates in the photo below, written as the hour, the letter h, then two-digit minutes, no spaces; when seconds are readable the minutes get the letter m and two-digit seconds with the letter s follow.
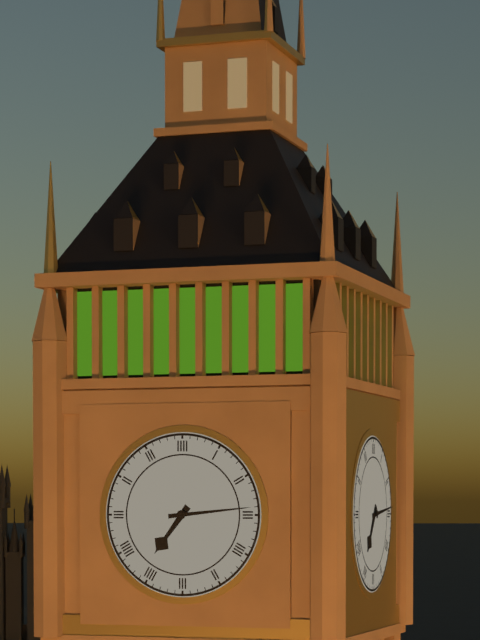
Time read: 7h14
